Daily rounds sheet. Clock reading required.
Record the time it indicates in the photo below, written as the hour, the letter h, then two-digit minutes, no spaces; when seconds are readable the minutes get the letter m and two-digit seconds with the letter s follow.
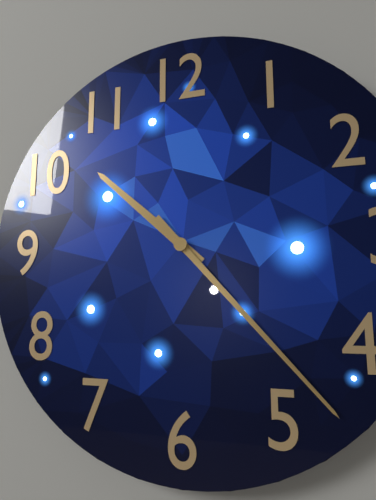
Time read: 10h23
